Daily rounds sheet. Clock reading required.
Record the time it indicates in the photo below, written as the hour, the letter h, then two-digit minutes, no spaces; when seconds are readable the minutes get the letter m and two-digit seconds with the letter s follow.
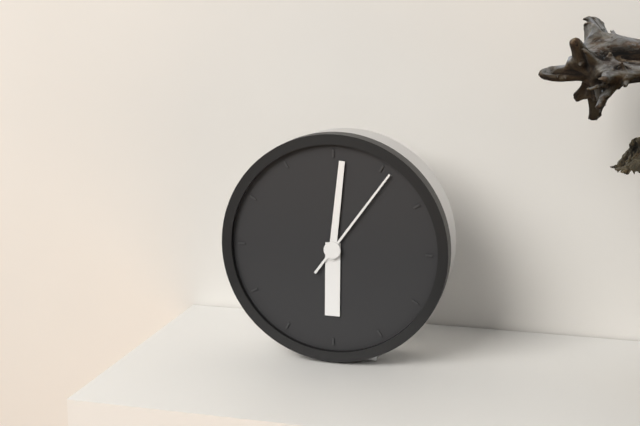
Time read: 6h01m06s
